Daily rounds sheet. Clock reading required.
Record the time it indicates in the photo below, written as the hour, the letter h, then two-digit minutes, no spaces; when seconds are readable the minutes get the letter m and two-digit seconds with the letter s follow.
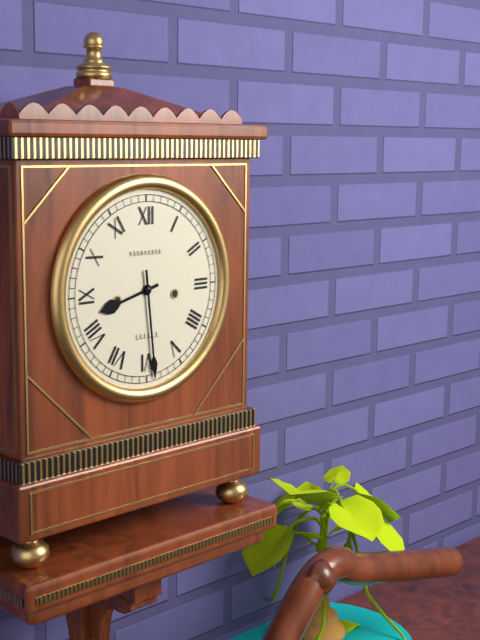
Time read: 8h29
